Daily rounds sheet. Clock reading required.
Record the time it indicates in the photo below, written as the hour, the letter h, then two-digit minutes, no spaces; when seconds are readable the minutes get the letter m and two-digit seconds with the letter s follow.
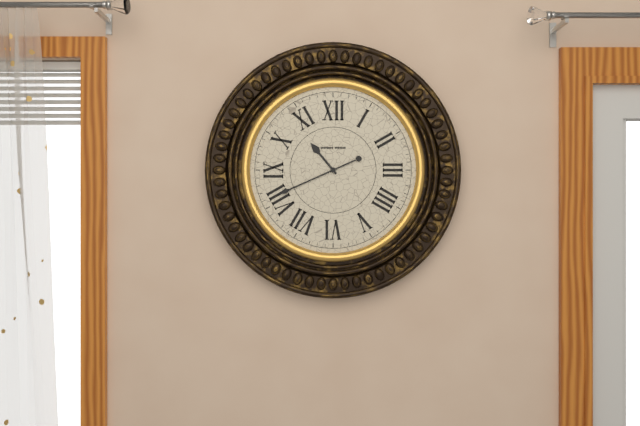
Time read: 10h41
